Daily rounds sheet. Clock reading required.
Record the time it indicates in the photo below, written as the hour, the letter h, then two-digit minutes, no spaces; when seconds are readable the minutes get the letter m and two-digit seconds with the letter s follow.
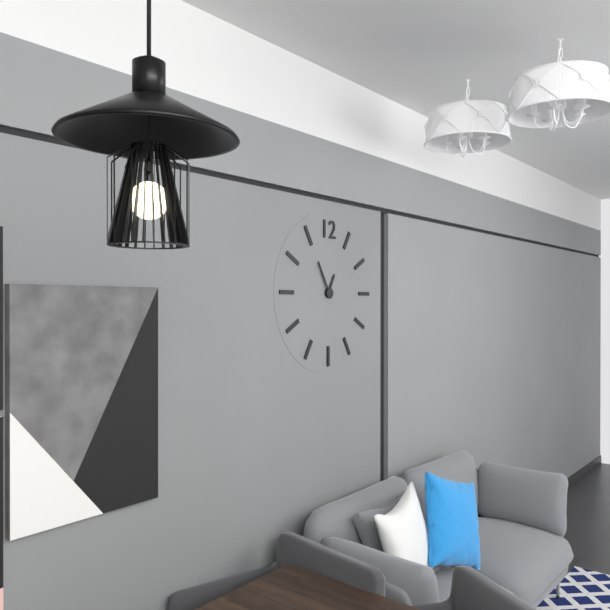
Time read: 12h55
